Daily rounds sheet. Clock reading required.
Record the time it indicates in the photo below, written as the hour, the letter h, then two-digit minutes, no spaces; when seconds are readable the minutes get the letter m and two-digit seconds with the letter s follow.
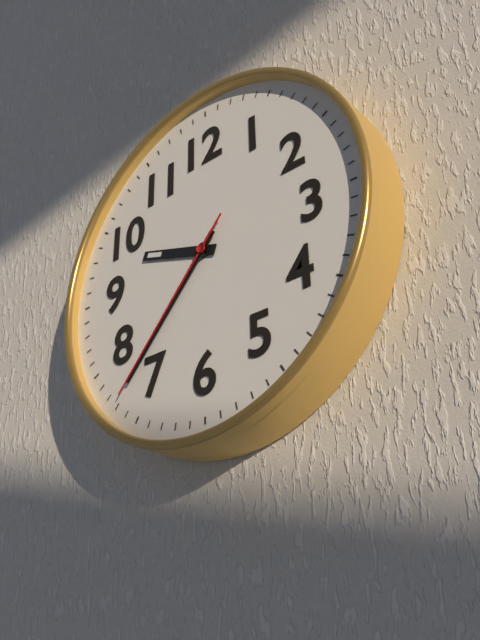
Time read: 9h37m37s
